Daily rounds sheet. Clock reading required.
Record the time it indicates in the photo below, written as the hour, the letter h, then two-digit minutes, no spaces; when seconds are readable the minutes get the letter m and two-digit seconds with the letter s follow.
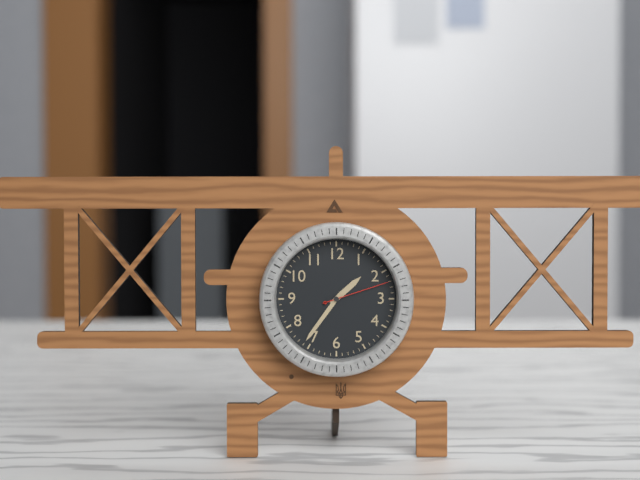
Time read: 1h36m12s
